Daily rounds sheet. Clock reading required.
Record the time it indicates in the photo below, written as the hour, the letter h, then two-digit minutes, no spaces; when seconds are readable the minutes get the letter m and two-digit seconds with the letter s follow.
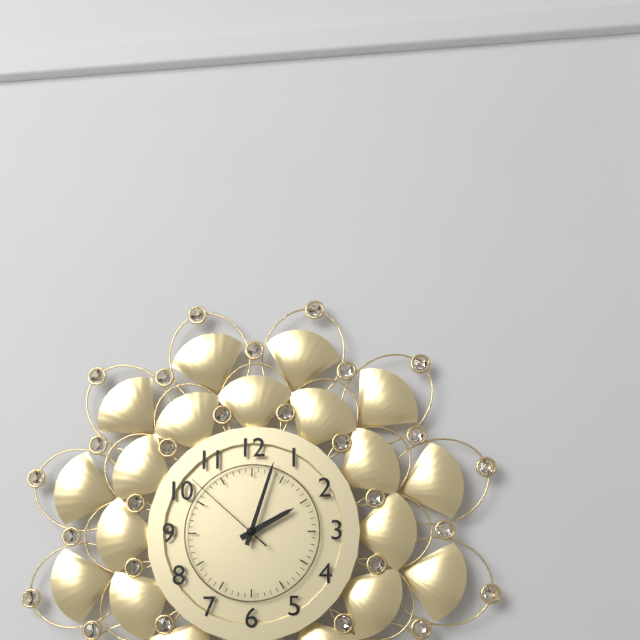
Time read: 2h03m52s
